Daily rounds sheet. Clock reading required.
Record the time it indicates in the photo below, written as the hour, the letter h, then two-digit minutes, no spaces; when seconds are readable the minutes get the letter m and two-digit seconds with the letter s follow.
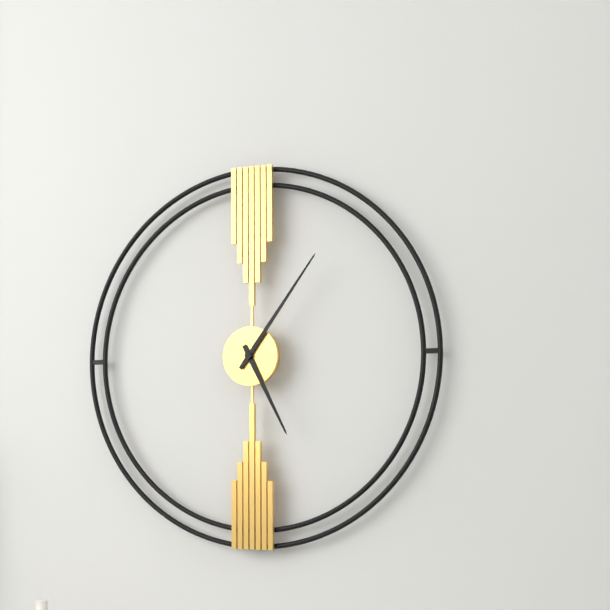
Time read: 5h06
